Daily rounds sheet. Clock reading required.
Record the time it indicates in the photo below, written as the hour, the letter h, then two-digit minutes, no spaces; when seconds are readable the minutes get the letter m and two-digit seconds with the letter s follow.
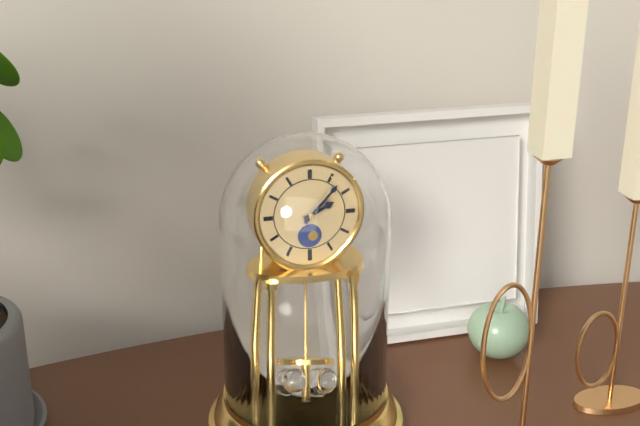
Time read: 2h07
